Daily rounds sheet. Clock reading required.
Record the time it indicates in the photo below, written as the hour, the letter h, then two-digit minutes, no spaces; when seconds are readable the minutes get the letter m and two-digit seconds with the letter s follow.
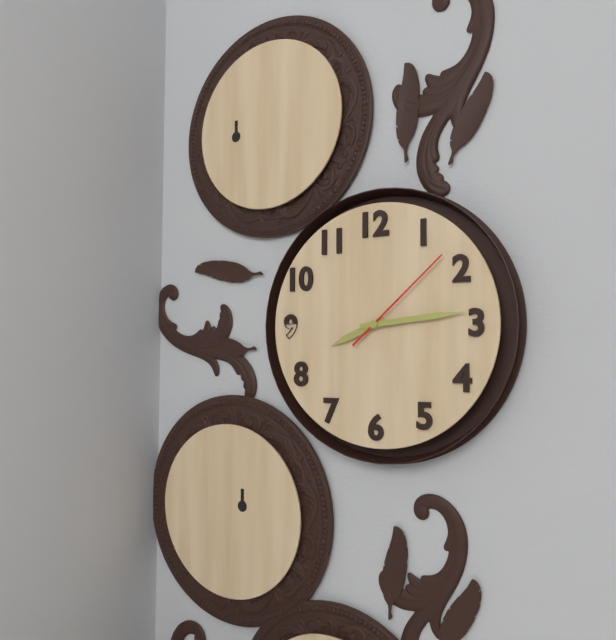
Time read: 8h14m08s
